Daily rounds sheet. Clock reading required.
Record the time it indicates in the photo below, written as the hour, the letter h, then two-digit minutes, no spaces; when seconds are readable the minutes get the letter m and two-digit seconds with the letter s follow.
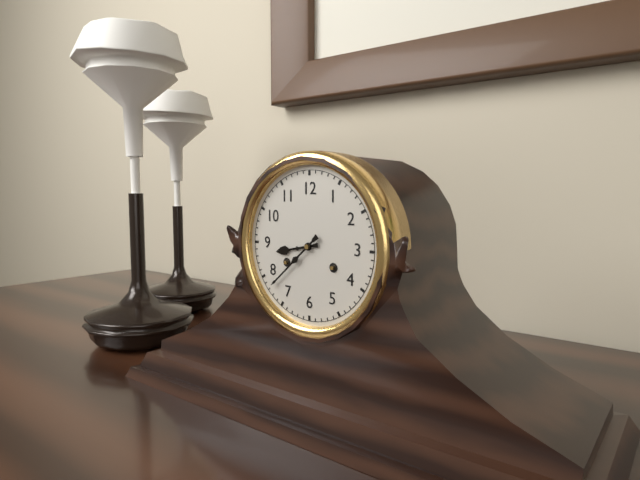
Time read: 8h38
